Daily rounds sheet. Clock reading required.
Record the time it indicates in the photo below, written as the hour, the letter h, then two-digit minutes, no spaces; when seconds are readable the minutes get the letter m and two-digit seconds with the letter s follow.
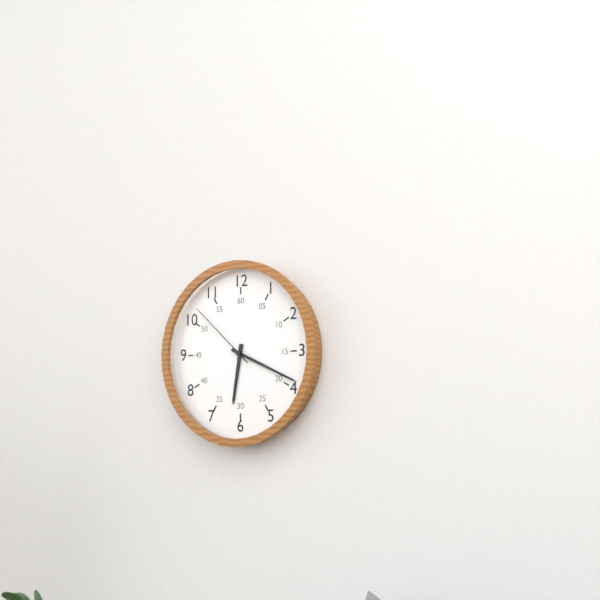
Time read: 6h19m52s
